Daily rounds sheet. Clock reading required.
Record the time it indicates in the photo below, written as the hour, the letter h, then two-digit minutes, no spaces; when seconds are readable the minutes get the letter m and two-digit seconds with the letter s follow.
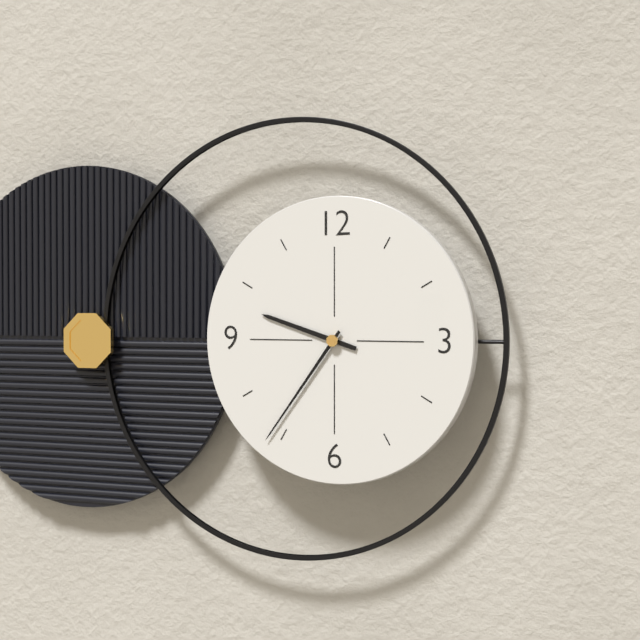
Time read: 9h36
